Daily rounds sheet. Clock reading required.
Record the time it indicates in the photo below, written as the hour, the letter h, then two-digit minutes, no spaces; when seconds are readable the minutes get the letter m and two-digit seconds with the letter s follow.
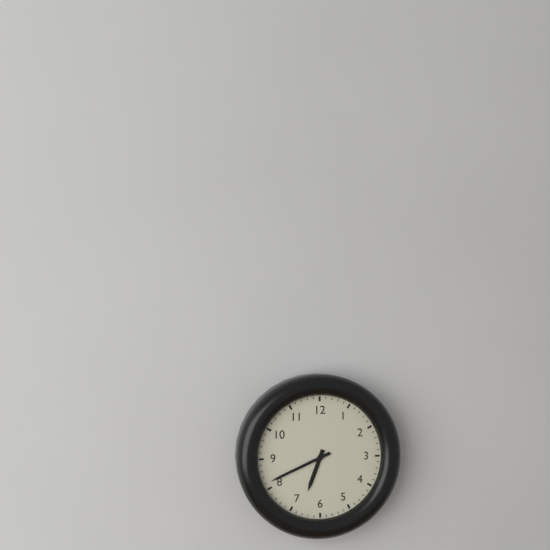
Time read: 6h41
